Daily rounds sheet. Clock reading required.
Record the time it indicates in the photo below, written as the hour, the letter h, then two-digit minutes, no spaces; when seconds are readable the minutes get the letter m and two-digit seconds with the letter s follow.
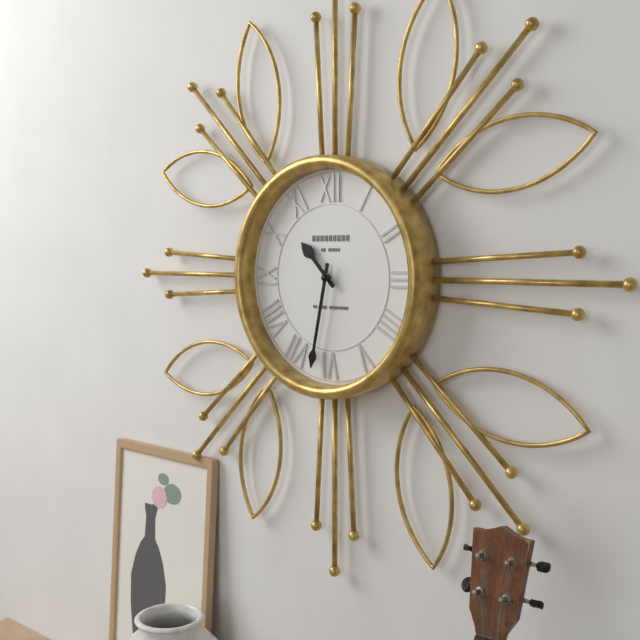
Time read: 10h32
